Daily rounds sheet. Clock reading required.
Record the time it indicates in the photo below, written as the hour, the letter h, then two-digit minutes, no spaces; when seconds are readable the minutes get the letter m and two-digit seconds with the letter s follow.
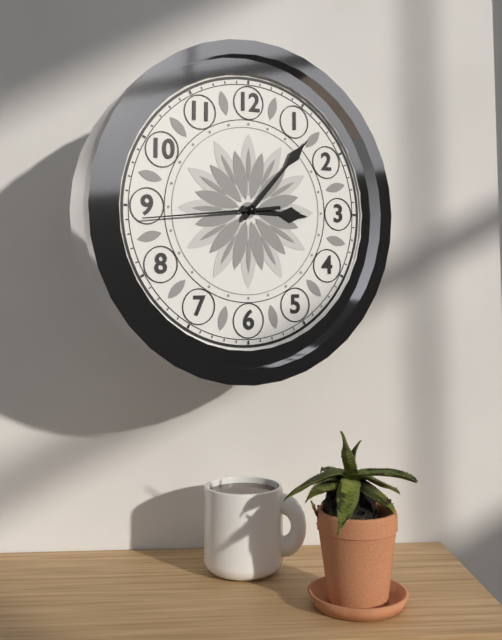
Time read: 3h07m44s
